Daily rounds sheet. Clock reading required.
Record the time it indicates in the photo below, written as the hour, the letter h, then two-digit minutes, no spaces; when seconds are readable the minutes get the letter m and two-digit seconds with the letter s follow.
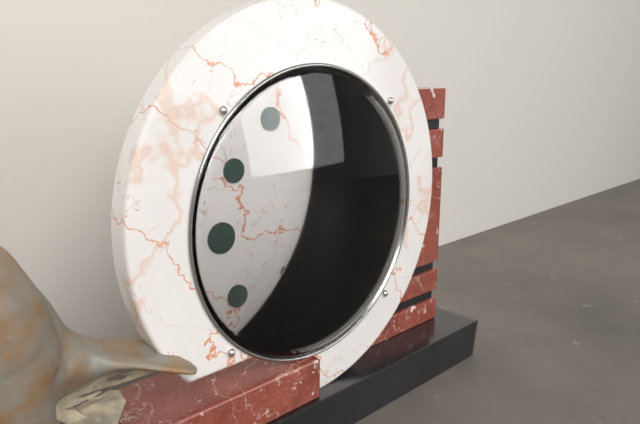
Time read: 7h08
